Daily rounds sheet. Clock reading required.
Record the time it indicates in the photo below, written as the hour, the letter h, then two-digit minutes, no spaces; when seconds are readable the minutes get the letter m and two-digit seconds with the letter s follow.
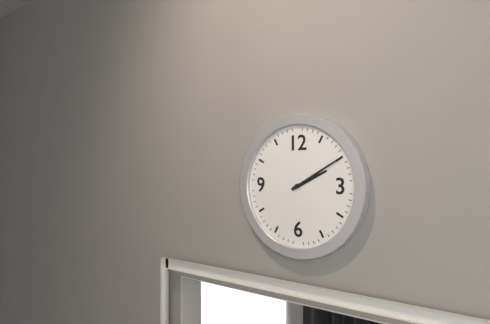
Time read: 2h10
